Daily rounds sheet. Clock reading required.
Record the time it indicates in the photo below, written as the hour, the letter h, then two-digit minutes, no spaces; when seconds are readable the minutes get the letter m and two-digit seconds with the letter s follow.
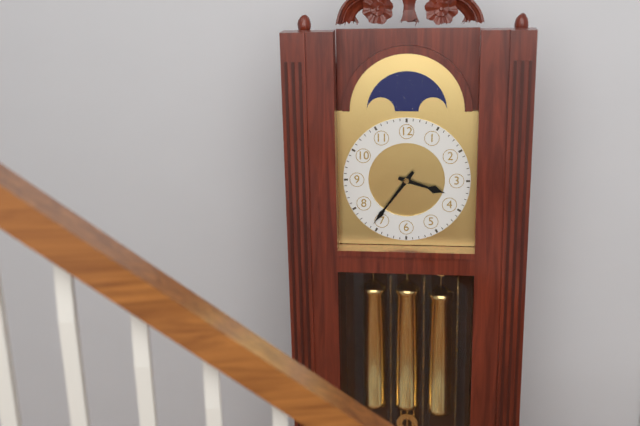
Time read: 3h36
